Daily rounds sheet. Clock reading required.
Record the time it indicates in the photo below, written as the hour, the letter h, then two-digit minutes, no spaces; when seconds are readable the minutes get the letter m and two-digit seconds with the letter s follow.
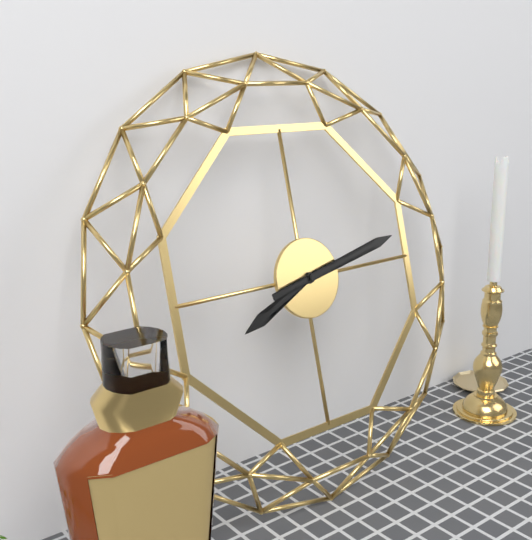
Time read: 8h13
